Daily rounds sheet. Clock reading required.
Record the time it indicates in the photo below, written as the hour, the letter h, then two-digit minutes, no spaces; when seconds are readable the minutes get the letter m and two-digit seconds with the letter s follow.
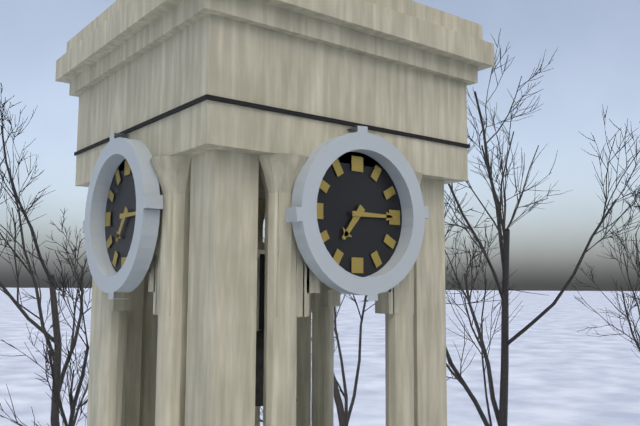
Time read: 7h15
